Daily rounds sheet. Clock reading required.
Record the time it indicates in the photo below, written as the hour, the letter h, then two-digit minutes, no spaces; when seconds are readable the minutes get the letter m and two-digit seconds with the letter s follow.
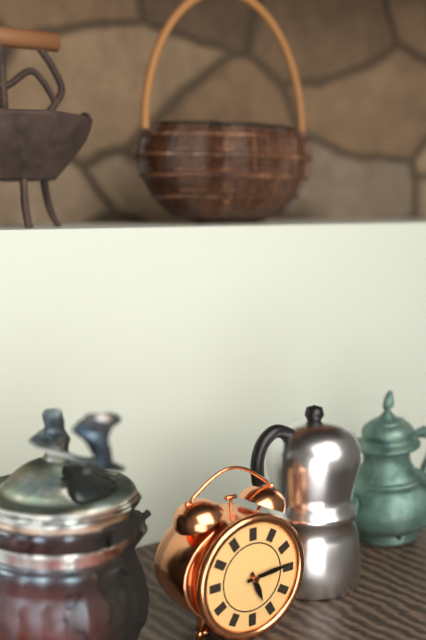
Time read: 5h14
